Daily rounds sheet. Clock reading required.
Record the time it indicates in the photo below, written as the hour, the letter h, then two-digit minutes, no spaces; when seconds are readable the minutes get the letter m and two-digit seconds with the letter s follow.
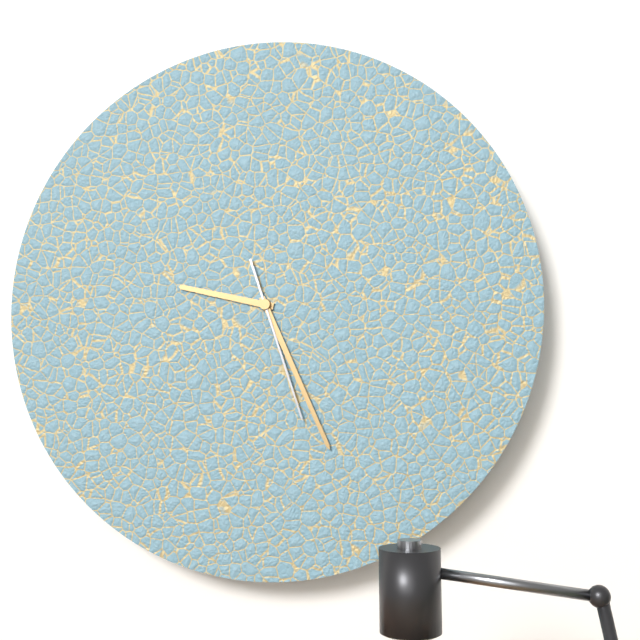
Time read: 9h26m27s
